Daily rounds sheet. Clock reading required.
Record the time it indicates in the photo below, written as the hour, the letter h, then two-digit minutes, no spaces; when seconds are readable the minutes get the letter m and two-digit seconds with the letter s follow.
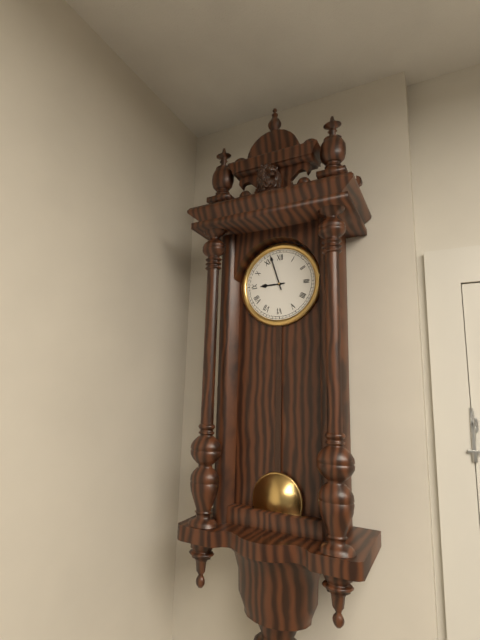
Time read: 8h57
